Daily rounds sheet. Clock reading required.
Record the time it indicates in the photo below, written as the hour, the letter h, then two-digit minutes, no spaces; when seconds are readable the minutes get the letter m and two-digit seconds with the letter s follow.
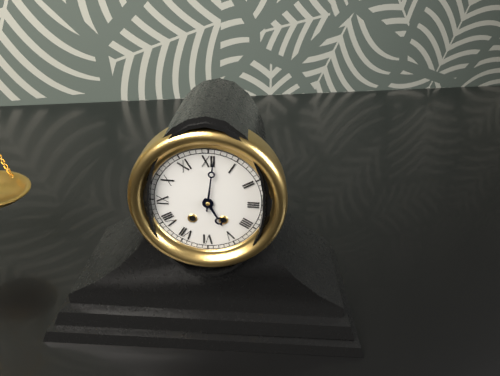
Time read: 5h01
